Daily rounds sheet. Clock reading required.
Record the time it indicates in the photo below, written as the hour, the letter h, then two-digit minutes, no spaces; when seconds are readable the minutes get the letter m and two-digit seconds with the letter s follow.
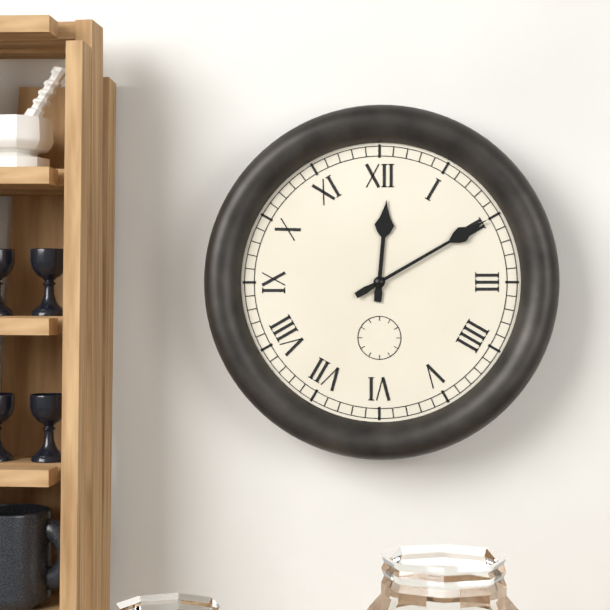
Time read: 12h10
